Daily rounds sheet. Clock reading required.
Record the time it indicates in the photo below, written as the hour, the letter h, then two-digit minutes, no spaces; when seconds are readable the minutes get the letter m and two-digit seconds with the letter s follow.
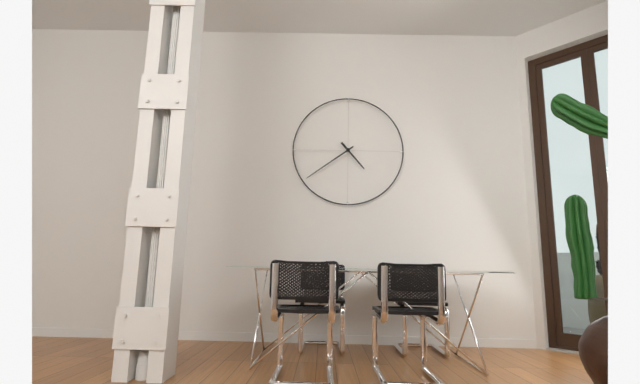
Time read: 4h39
